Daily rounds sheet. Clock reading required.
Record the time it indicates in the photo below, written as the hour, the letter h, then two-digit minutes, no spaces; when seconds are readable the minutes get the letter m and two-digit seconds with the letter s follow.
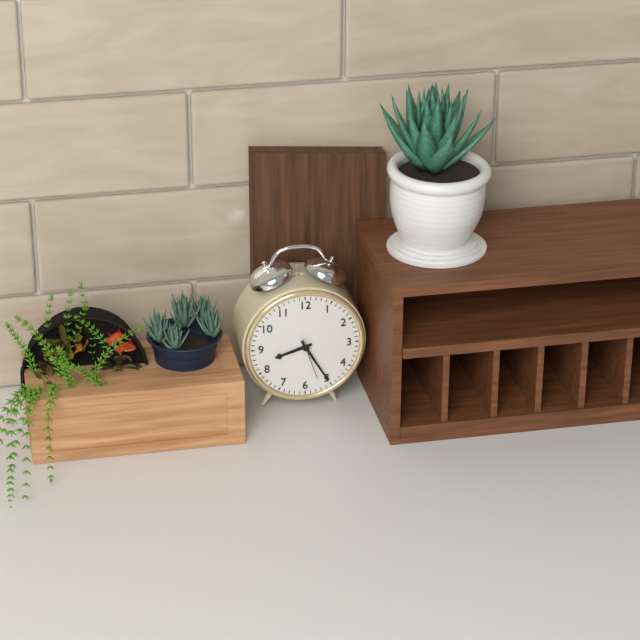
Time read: 8h25
